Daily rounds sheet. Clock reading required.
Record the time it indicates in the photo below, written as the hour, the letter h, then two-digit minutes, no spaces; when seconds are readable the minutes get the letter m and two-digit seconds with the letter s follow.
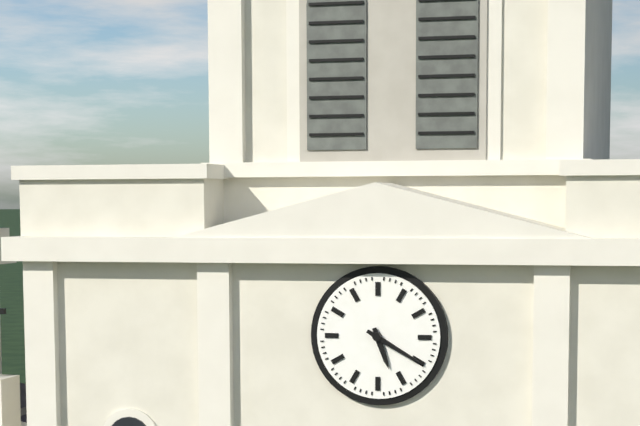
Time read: 5h20
